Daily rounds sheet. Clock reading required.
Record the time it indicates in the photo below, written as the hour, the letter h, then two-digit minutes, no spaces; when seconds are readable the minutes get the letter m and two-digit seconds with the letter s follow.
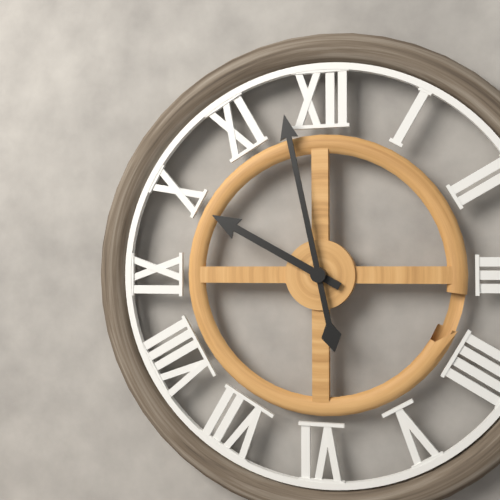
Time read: 9h58
